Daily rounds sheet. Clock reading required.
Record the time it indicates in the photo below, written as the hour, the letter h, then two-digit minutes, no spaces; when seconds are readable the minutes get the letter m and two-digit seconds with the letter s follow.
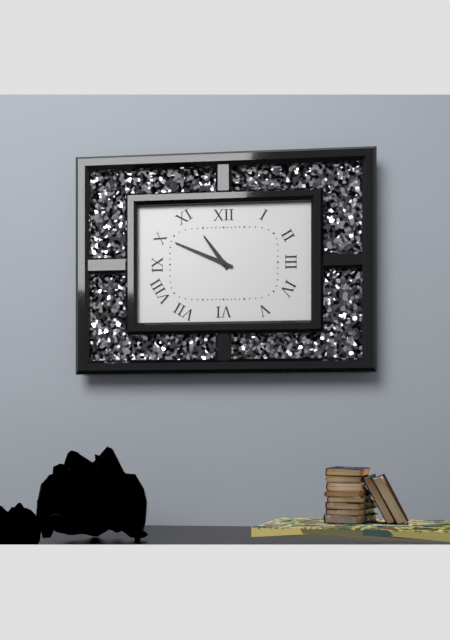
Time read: 10h49
